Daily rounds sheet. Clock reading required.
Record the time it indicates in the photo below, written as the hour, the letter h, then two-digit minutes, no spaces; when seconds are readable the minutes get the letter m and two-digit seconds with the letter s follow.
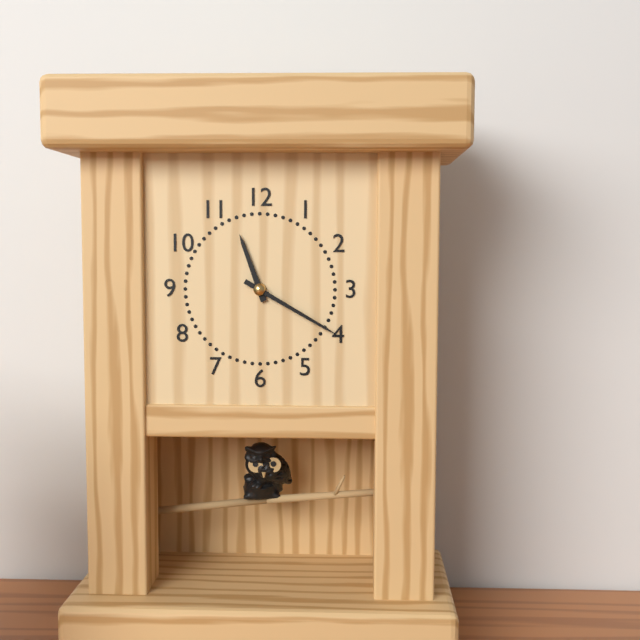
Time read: 11h20
